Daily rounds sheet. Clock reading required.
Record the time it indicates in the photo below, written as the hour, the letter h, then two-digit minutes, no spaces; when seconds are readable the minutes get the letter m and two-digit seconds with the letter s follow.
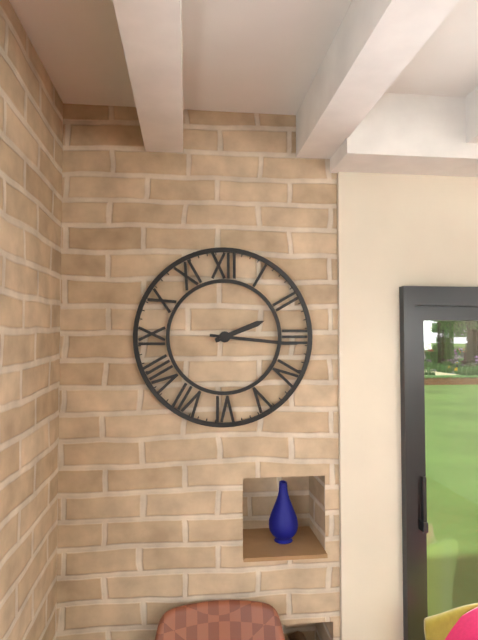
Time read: 2h16
